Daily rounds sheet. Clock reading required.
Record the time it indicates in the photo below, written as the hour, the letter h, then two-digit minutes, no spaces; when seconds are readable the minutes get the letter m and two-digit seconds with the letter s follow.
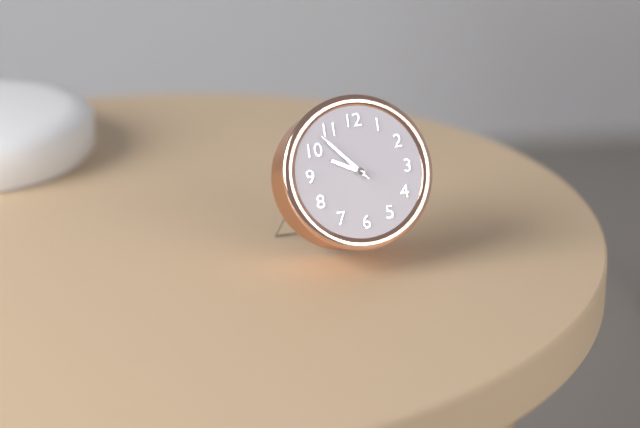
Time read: 9h53m53s
